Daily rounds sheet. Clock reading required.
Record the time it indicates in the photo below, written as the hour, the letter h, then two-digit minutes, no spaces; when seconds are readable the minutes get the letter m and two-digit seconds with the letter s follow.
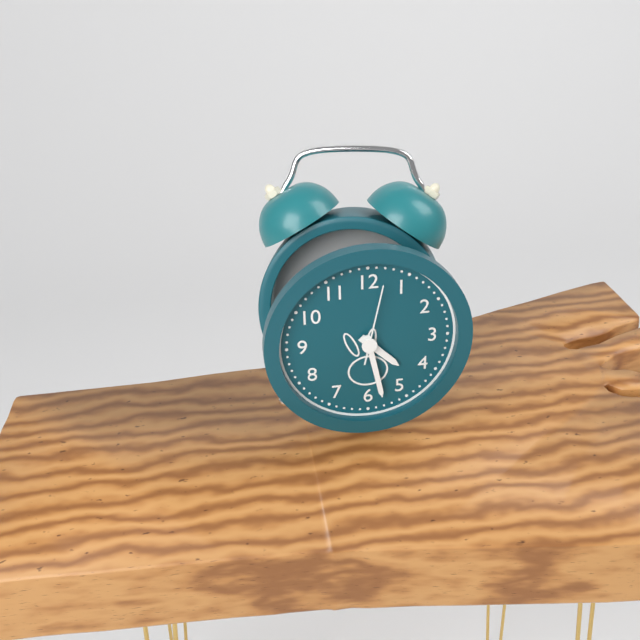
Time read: 4h28m02s
